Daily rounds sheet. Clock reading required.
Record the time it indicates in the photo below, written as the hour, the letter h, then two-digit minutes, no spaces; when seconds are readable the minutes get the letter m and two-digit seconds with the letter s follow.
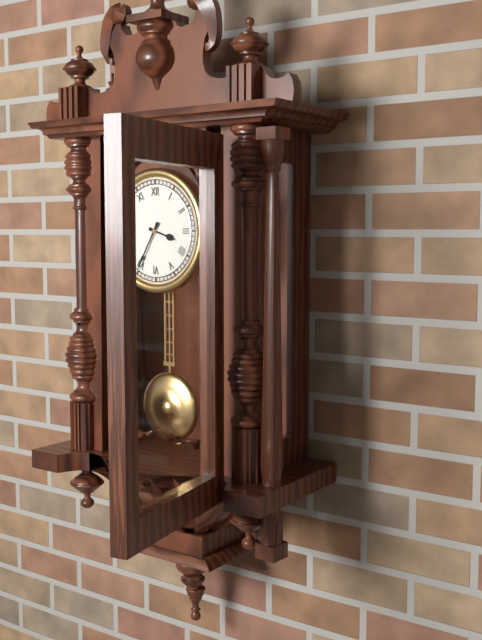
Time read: 3h35
